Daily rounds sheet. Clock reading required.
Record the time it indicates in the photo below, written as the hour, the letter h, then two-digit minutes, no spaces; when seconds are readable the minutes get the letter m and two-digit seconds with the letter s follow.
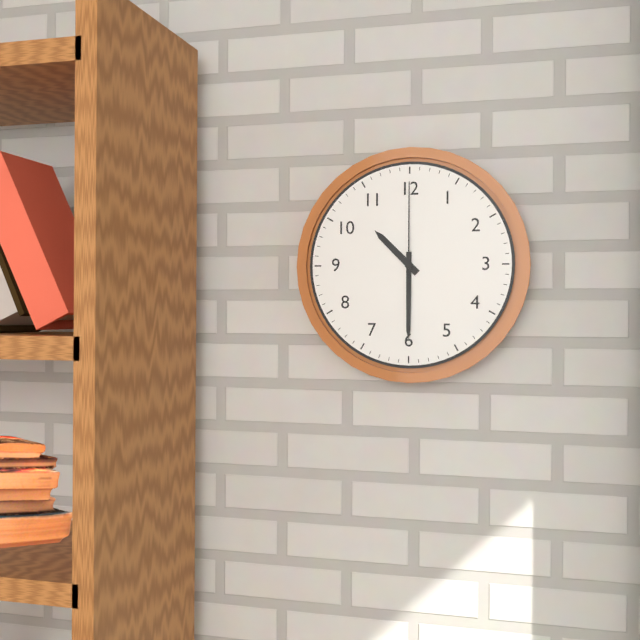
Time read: 10h30m00s
